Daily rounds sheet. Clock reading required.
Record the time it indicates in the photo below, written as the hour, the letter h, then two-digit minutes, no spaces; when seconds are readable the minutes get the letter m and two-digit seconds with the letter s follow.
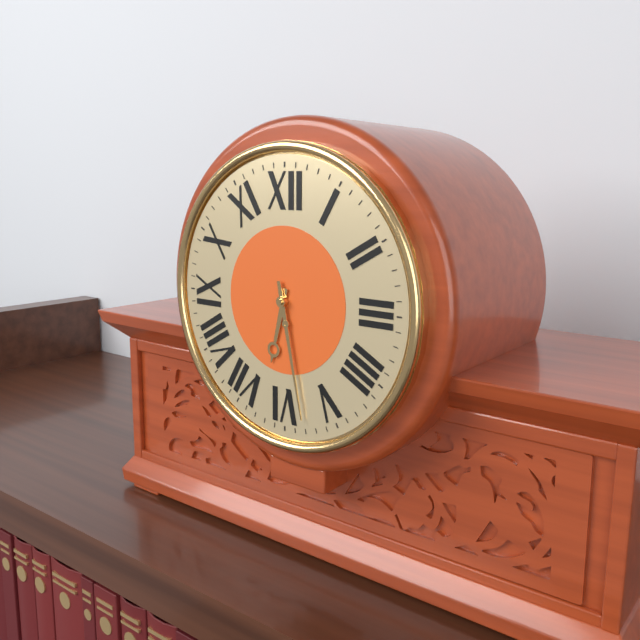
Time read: 6h28
